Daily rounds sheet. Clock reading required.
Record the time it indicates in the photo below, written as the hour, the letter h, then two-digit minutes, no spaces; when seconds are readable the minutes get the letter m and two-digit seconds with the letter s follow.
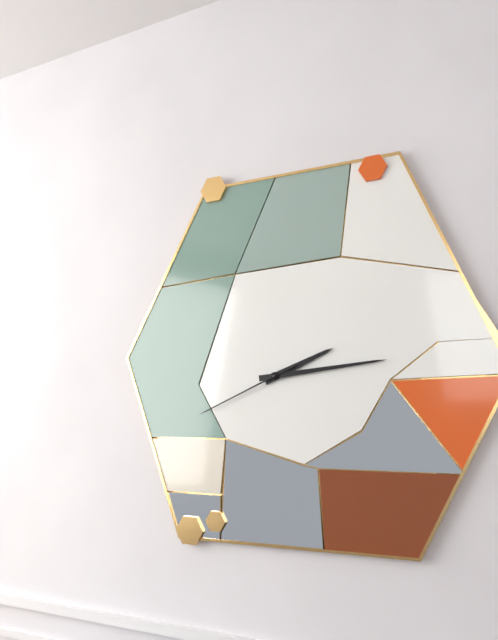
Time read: 2h14m41s
